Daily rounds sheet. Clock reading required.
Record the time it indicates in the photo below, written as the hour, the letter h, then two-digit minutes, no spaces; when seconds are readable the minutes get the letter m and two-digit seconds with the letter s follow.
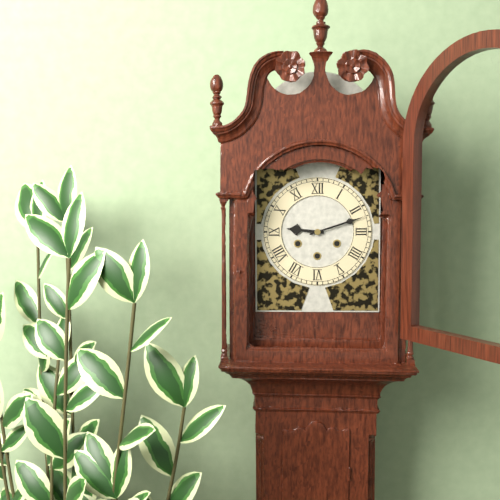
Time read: 9h12
